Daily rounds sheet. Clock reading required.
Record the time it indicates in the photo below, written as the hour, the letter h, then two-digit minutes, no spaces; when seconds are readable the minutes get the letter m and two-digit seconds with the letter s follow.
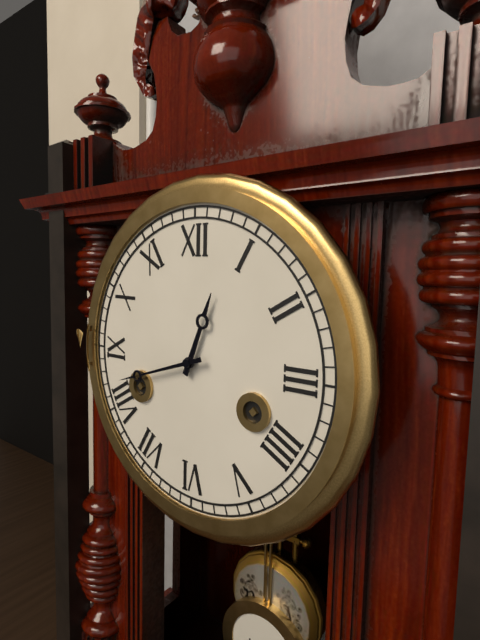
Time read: 12h42
